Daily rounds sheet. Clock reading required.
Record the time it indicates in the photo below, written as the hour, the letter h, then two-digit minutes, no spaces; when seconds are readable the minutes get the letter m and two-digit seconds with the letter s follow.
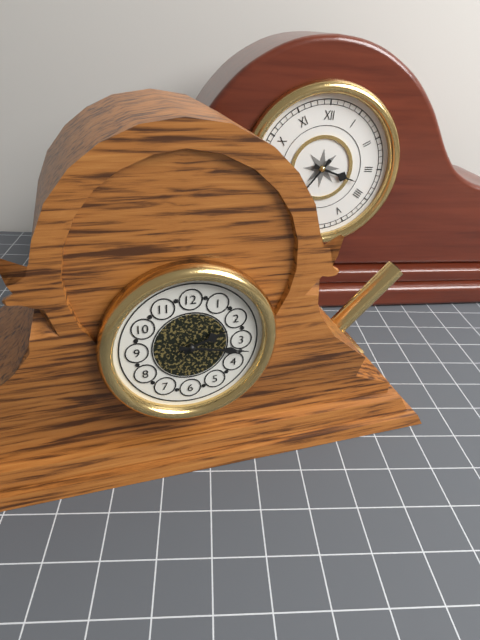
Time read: 2h17
